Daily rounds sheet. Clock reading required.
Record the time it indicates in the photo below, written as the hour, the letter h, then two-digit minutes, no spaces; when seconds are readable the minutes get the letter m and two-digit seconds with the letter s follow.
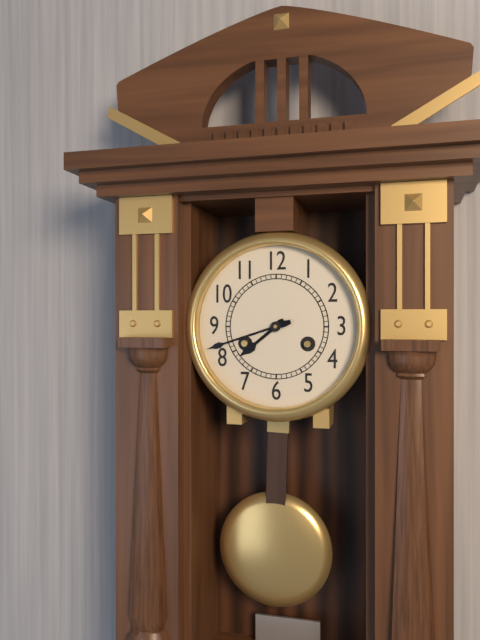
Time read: 7h42
